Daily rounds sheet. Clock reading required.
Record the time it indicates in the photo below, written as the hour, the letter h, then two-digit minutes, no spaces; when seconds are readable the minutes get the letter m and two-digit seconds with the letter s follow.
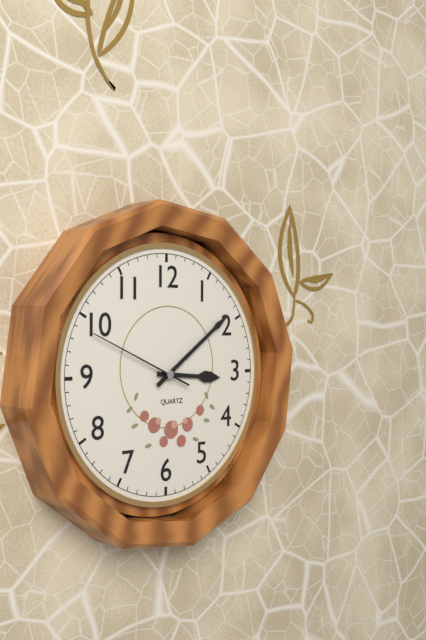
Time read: 3h09m49s
